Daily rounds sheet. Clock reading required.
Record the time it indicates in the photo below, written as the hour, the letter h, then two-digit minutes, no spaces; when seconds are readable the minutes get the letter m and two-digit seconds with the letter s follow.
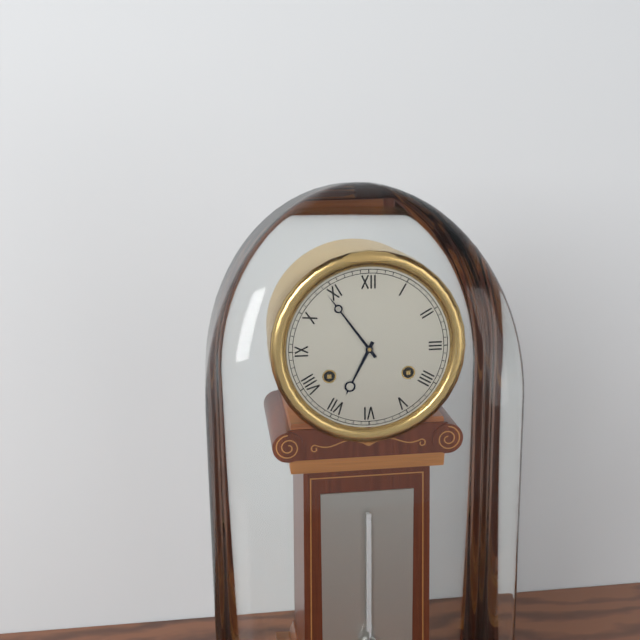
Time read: 6h54
